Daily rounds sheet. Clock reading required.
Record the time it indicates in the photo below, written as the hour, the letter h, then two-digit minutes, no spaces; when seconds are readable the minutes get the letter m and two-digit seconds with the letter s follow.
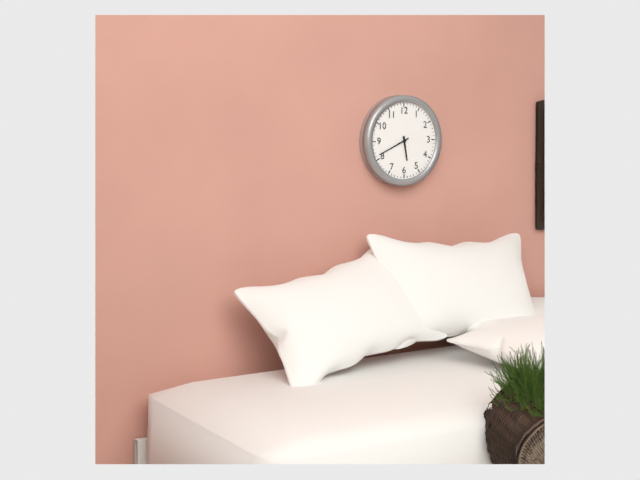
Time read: 5h41
